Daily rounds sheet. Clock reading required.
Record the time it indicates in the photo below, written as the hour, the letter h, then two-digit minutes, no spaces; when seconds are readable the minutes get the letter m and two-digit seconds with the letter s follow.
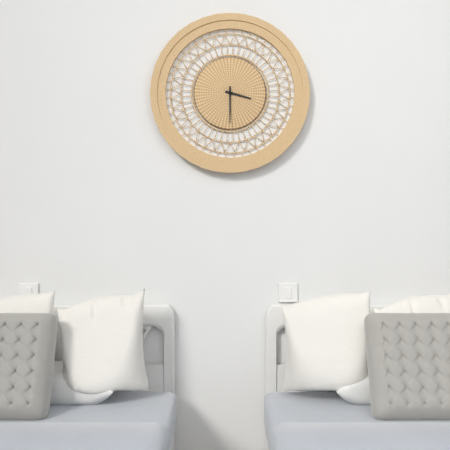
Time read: 3h30
